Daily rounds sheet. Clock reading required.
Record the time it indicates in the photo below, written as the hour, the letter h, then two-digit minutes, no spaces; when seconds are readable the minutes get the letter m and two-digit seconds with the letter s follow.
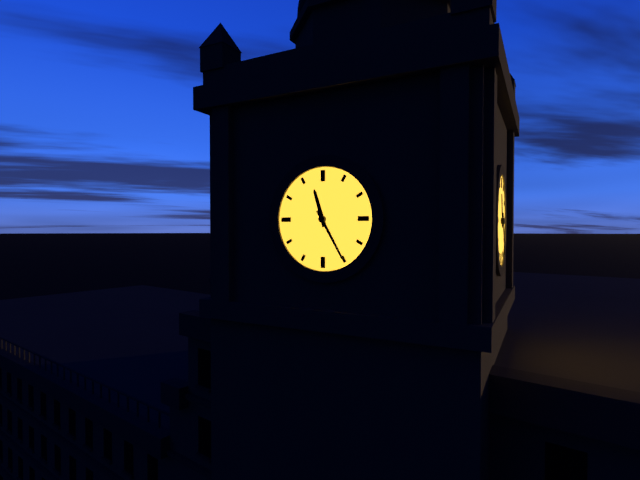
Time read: 11h25
